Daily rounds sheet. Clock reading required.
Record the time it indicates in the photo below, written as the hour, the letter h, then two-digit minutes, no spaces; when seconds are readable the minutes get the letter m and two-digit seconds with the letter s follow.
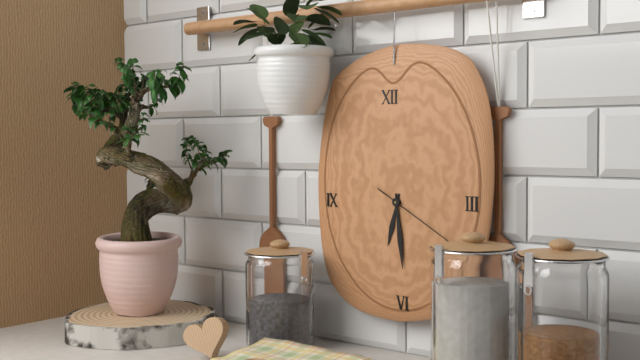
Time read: 6h29m20s
